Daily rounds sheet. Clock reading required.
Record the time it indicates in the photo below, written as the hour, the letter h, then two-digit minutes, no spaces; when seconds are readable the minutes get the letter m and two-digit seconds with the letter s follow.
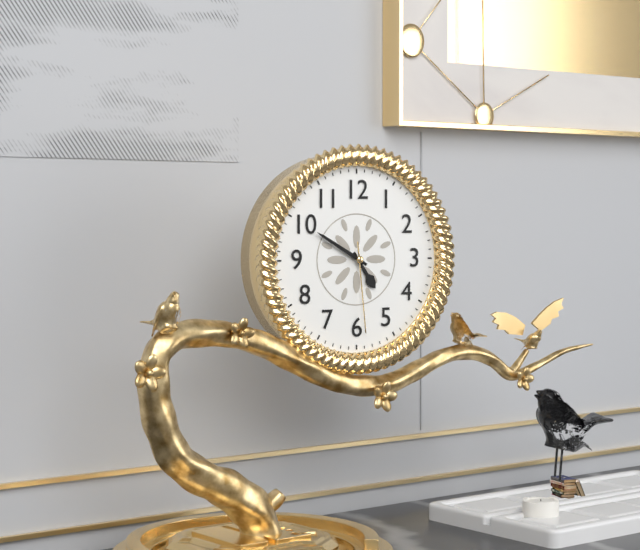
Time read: 4h50m29s
